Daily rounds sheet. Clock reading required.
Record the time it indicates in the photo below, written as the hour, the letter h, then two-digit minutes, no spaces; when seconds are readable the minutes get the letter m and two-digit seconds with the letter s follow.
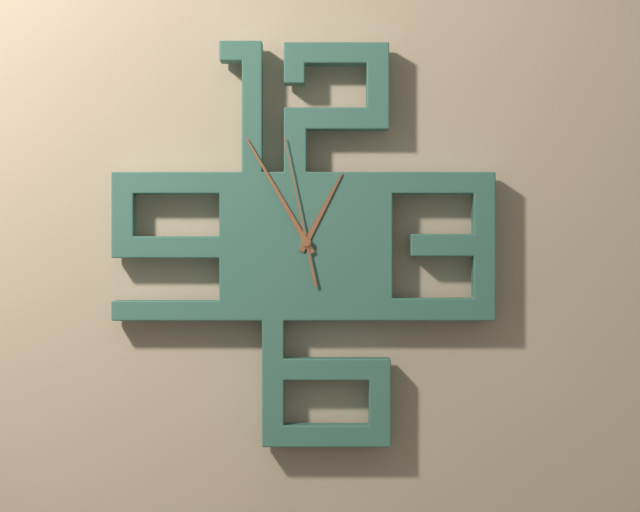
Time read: 12h55m58s
